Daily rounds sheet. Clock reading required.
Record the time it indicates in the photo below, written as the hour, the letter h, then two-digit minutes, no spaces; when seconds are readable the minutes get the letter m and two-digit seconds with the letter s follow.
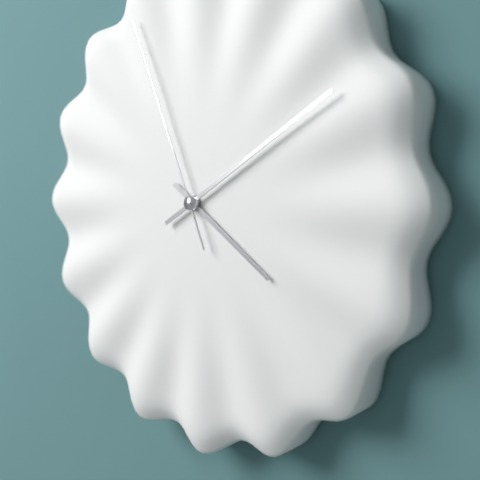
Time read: 4h10m56s
